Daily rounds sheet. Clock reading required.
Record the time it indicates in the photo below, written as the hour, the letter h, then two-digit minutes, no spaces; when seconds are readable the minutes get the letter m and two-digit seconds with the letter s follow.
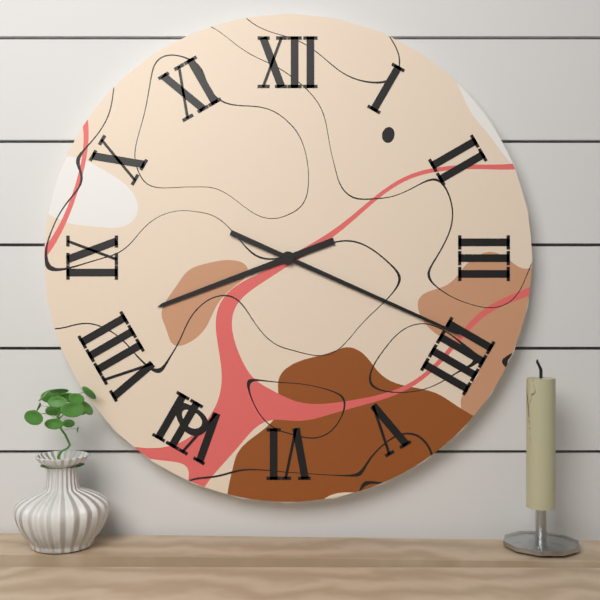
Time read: 8h19
